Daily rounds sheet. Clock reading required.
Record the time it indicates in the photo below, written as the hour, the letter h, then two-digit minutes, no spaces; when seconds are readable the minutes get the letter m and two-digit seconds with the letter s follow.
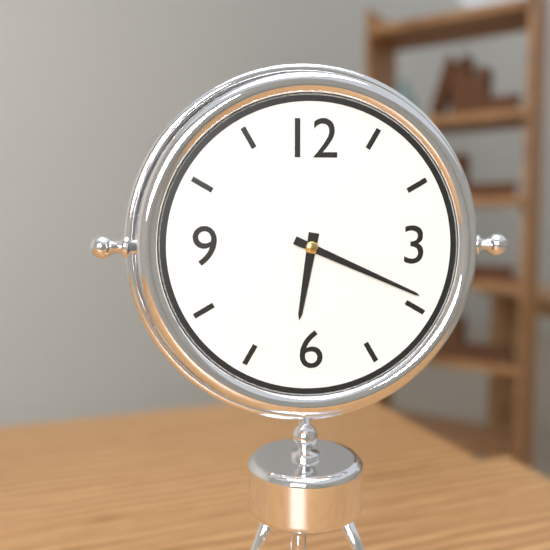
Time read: 6h19
